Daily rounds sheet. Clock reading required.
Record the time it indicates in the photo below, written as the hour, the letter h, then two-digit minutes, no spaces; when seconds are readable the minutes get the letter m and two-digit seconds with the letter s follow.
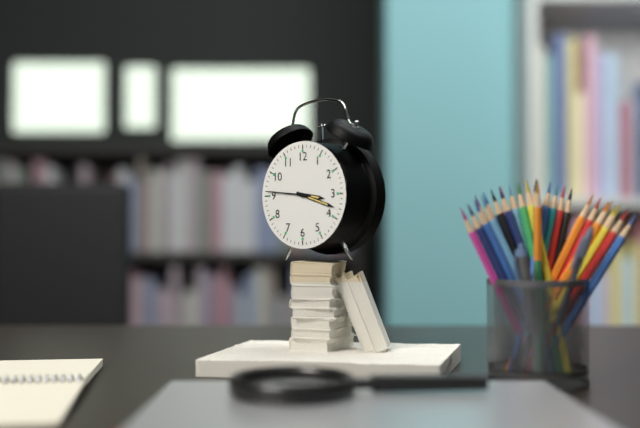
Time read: 3h18
